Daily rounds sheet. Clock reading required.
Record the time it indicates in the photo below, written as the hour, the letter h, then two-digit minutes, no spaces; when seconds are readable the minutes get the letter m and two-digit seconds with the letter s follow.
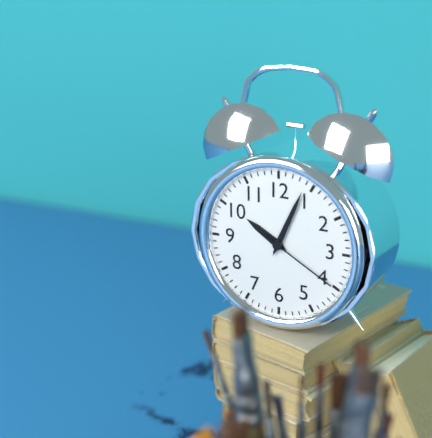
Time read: 10h04m20s
